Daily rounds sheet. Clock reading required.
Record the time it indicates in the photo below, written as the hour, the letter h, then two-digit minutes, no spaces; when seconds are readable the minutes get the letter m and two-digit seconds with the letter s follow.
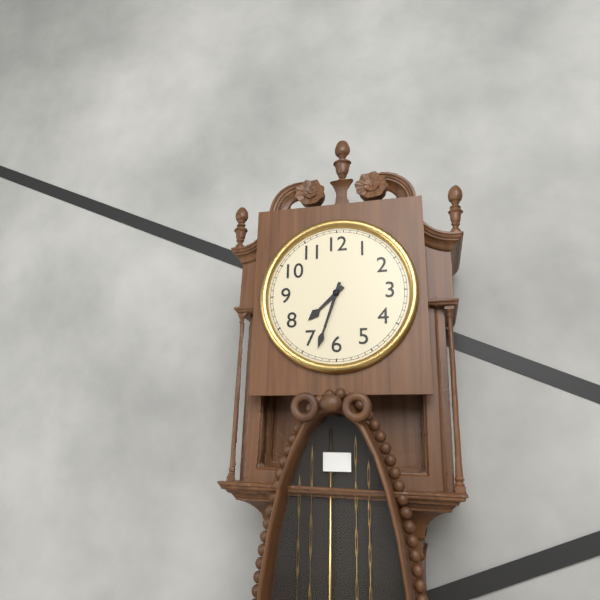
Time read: 7h33
